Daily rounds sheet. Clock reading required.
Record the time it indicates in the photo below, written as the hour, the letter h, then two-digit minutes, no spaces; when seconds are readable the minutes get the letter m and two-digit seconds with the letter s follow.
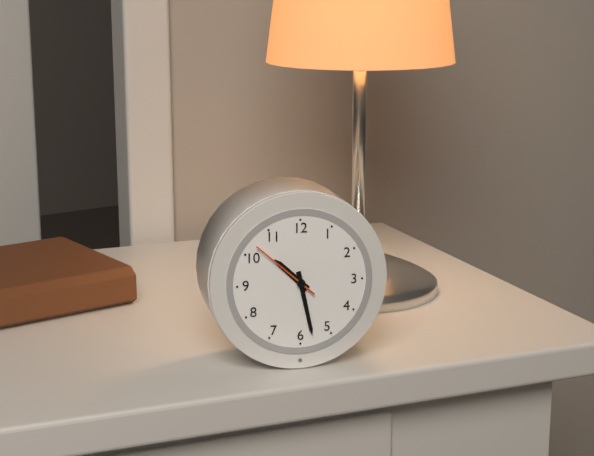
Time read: 10h28m52s
